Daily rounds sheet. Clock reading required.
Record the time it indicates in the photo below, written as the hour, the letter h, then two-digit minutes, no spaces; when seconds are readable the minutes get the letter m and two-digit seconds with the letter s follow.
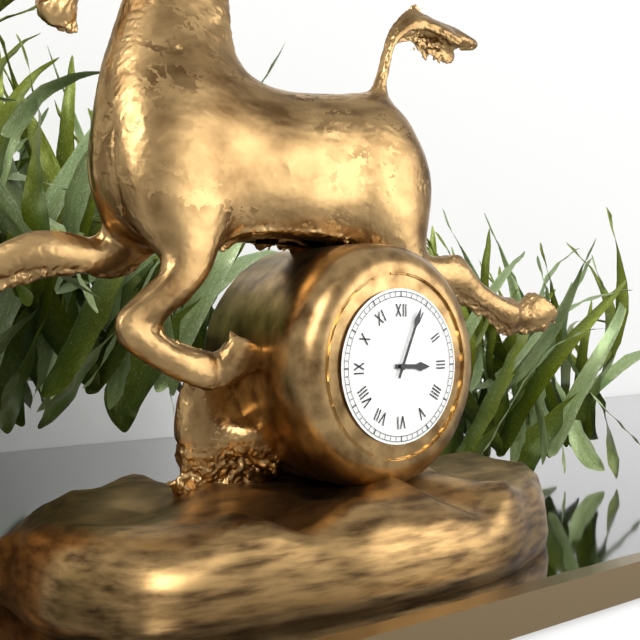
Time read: 3h04
